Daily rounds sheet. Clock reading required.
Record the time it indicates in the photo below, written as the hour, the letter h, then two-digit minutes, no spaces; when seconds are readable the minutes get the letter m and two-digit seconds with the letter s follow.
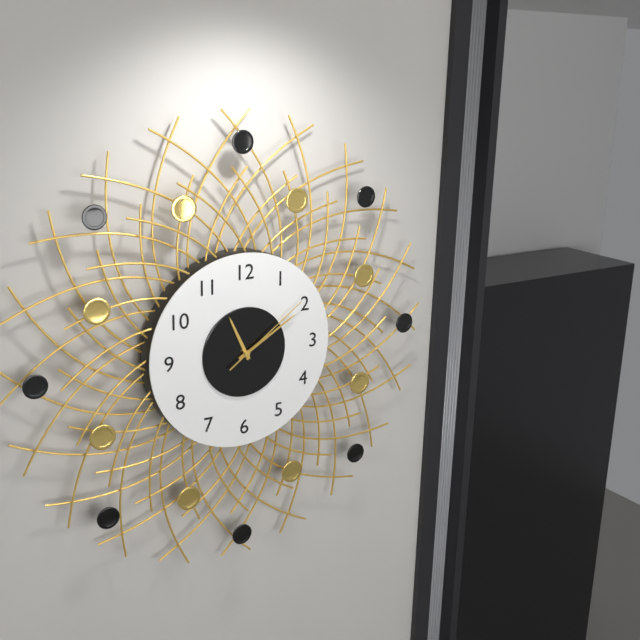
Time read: 11h10m09s
